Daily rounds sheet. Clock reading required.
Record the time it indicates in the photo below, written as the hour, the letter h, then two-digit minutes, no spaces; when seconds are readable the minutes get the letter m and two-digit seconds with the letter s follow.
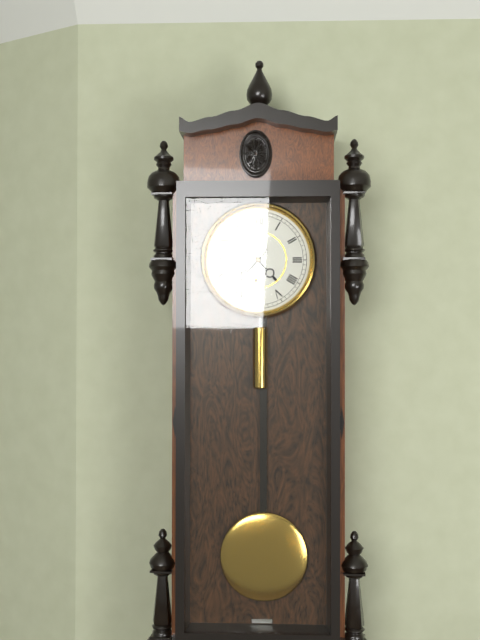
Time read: 4h37
